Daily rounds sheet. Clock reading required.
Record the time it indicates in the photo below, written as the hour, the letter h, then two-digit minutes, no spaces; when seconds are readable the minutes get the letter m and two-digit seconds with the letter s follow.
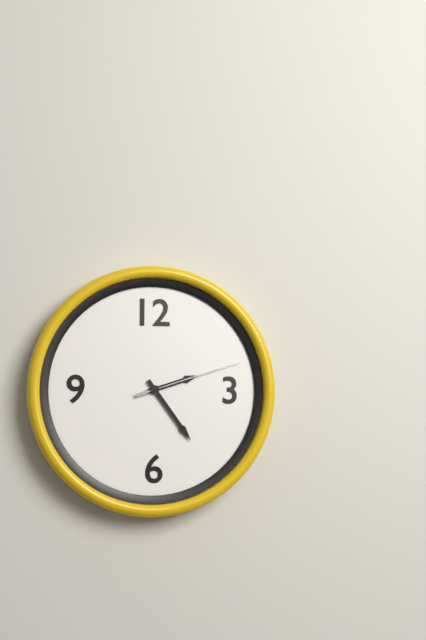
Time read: 2h24m12s
